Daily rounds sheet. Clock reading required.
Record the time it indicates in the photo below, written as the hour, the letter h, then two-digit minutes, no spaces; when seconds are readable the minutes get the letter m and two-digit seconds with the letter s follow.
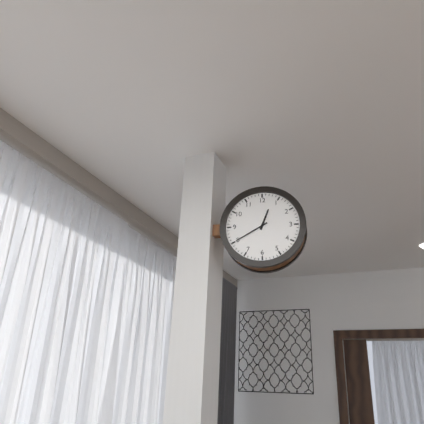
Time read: 12h40
